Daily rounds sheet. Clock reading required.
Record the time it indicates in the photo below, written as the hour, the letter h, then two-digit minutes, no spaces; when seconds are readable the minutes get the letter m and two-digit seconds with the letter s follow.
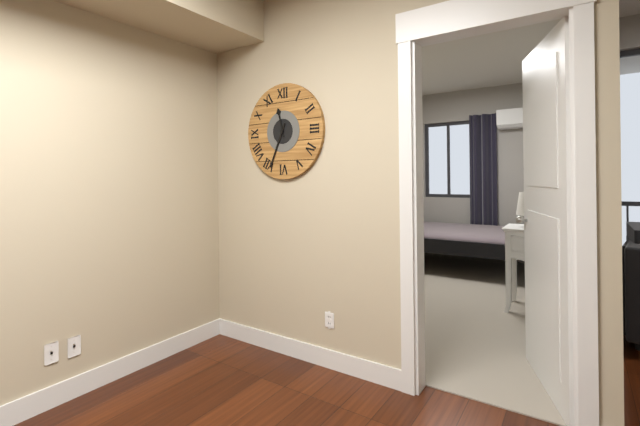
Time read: 11h34
